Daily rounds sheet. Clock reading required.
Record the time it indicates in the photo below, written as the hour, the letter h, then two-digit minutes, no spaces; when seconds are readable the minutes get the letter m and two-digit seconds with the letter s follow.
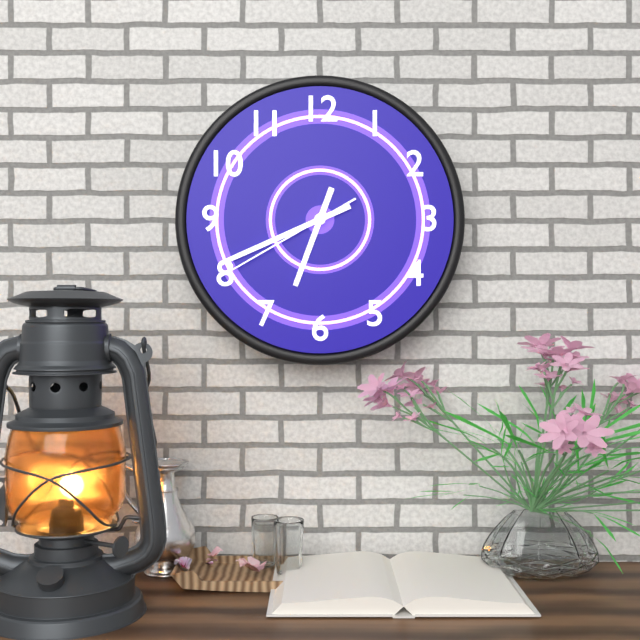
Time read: 6h41m40s
